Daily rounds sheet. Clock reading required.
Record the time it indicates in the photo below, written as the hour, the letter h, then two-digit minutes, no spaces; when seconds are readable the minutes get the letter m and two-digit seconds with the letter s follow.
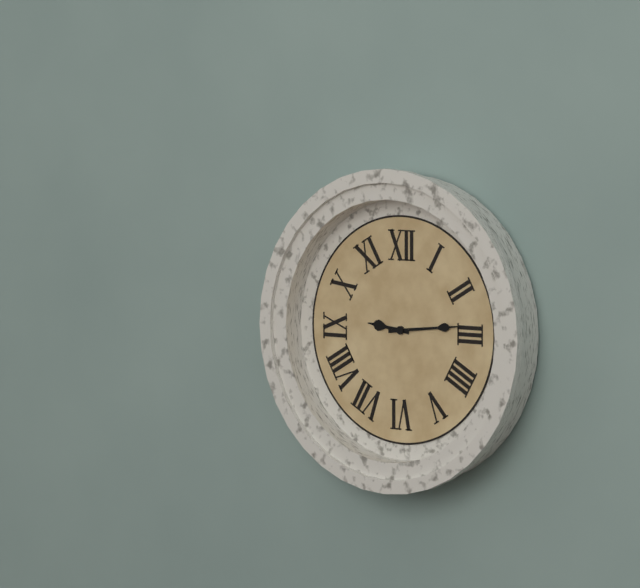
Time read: 9h14
